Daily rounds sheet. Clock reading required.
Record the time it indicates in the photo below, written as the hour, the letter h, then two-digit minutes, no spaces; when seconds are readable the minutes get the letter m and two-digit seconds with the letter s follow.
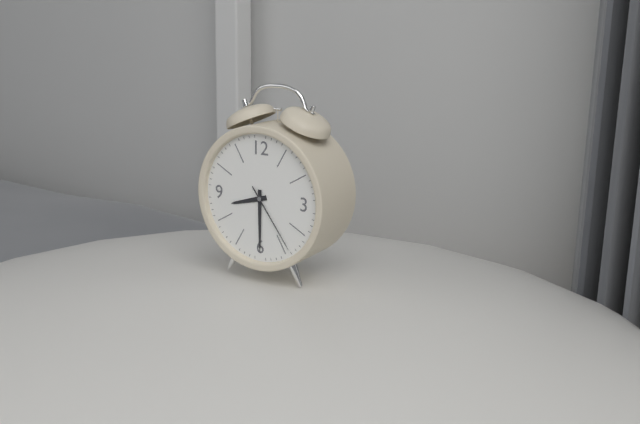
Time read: 8h30m24s
